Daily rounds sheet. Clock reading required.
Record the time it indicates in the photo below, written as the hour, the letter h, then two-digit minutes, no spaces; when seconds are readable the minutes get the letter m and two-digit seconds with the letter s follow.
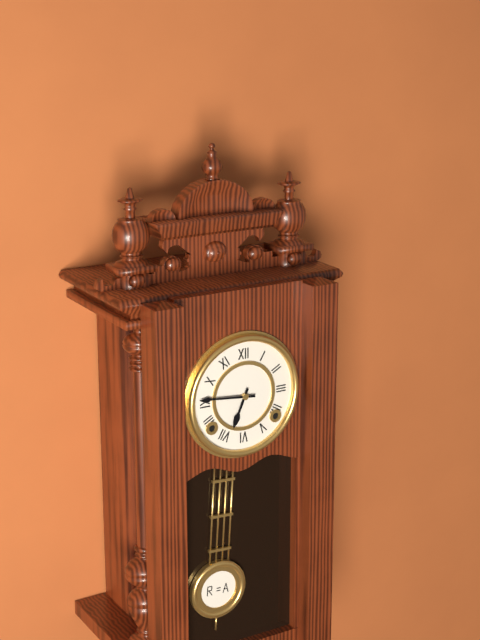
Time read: 6h46
